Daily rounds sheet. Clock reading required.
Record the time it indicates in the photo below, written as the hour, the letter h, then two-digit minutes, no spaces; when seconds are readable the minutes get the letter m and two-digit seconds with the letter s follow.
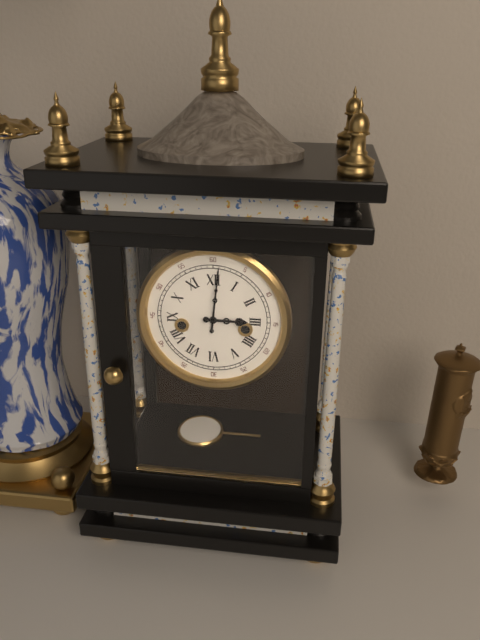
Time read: 3h01
